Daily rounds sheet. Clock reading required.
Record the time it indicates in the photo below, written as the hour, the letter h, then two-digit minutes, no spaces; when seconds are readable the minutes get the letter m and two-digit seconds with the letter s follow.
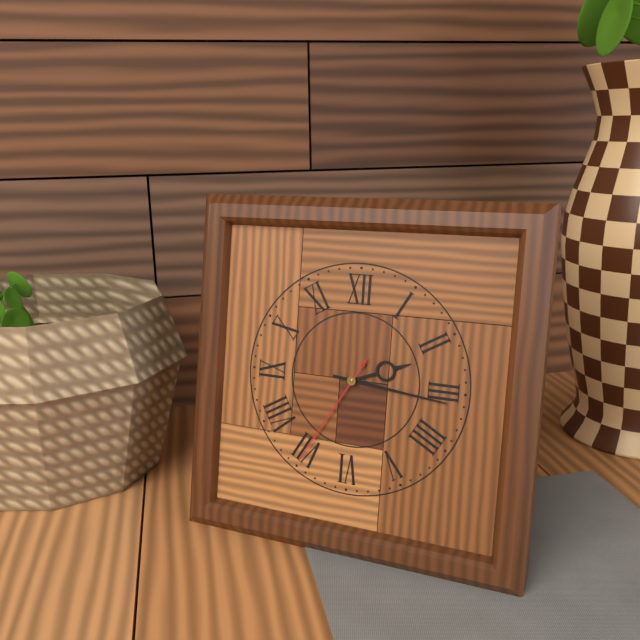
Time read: 2h16m35s
